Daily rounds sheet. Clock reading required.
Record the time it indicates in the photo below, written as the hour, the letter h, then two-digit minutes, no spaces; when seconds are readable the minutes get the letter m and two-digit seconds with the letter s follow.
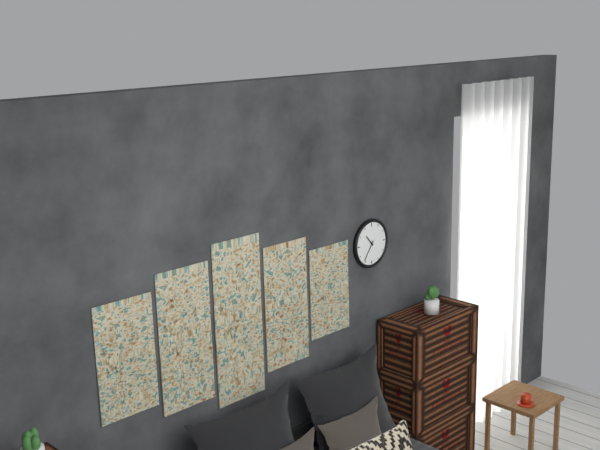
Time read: 10h36
